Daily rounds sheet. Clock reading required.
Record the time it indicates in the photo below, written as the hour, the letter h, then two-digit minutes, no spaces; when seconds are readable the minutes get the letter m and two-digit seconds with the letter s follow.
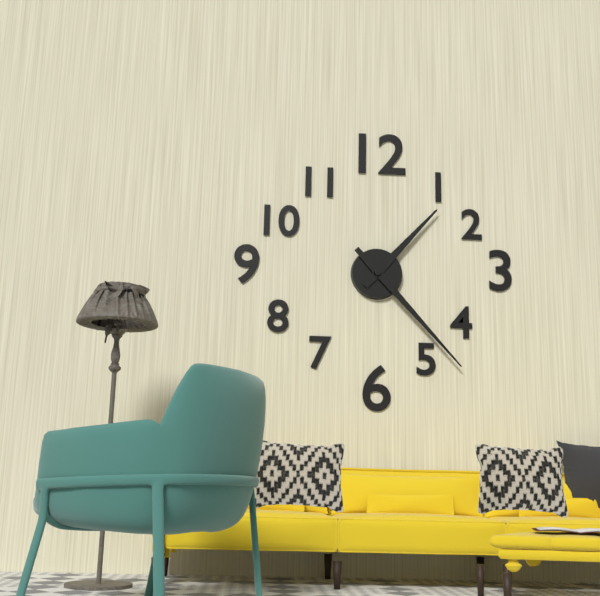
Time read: 1h23
